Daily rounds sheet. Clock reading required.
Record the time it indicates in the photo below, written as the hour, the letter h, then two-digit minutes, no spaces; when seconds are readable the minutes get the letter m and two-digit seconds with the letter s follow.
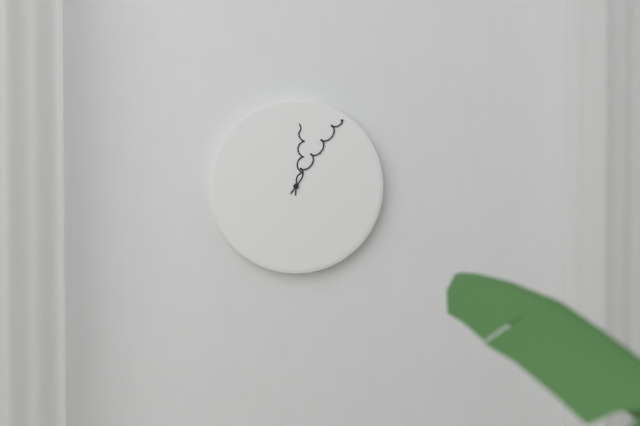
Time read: 12h06
